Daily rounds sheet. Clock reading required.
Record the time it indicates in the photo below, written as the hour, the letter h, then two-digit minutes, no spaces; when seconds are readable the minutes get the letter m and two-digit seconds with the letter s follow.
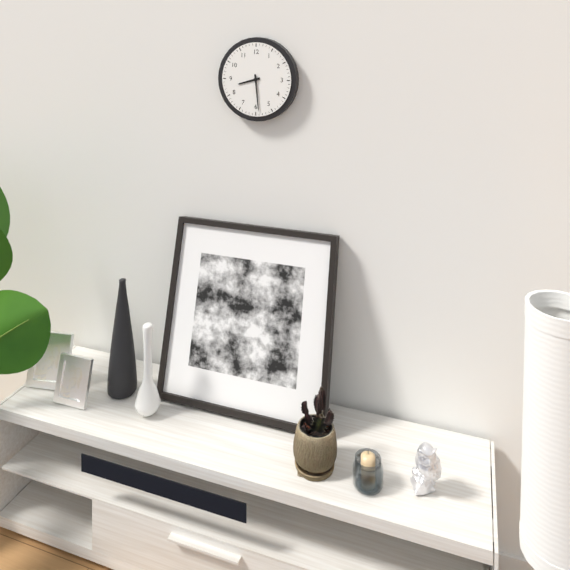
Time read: 8h29
